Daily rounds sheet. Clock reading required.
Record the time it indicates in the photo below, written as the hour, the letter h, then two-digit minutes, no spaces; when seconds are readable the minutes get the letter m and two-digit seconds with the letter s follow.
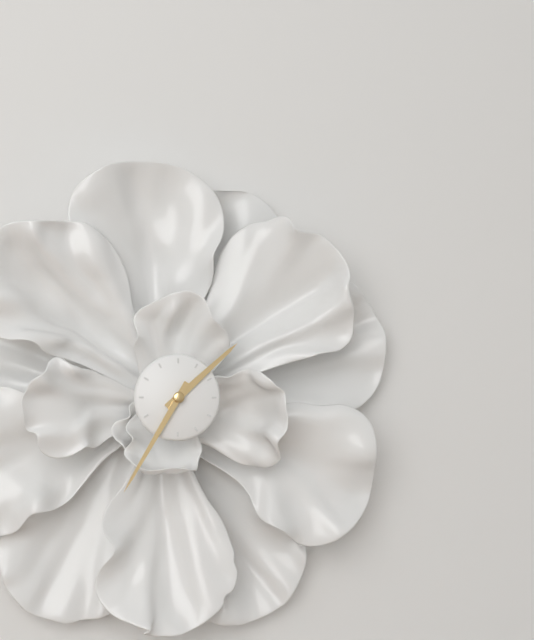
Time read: 1h35
